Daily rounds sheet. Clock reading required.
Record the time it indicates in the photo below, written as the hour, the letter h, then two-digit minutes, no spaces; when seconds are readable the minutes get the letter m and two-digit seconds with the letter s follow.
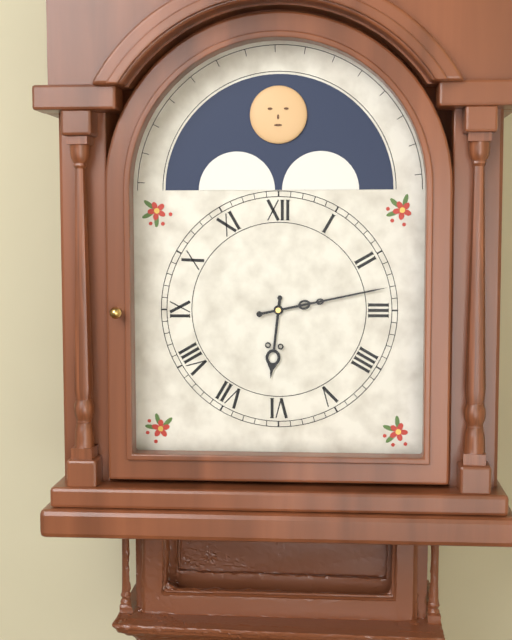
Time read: 6h13
